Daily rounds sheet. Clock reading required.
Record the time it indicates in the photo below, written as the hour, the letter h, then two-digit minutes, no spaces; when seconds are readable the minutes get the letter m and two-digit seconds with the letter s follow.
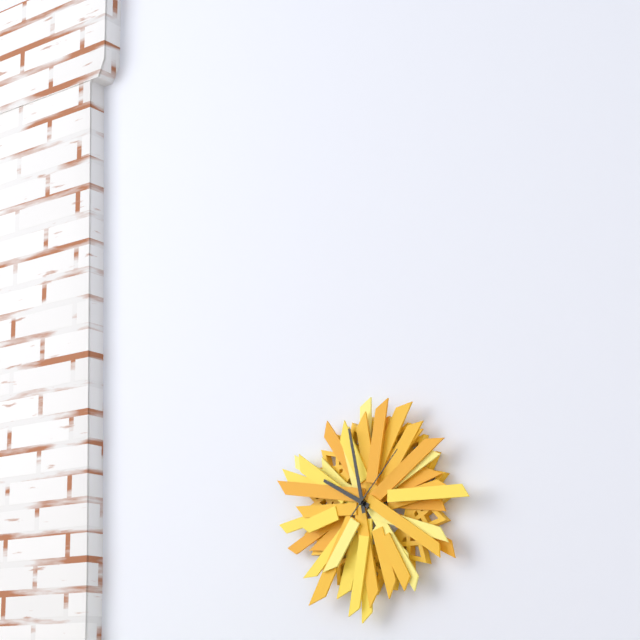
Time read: 9h58m07s
